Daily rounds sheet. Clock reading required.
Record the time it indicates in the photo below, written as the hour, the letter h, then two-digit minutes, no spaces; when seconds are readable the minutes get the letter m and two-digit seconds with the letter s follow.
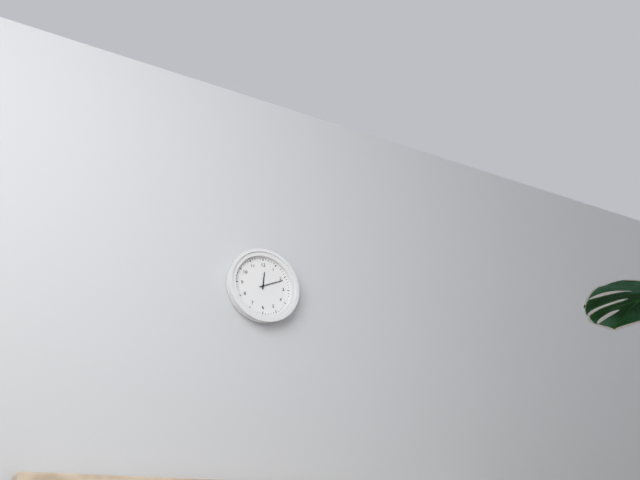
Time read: 12h11
